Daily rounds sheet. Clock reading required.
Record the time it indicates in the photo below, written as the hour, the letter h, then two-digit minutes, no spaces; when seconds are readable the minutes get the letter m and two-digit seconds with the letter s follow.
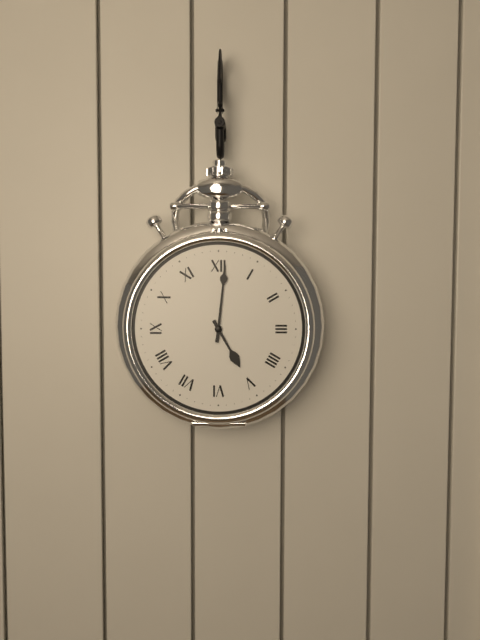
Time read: 5h01
